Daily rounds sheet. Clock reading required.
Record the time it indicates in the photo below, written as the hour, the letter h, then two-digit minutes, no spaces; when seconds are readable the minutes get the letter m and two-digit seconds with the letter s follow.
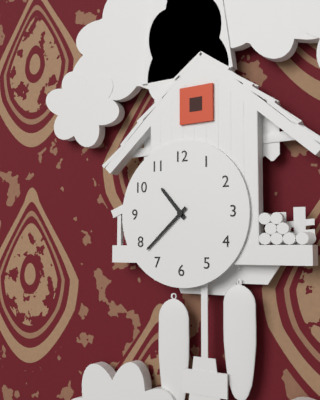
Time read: 10h38
